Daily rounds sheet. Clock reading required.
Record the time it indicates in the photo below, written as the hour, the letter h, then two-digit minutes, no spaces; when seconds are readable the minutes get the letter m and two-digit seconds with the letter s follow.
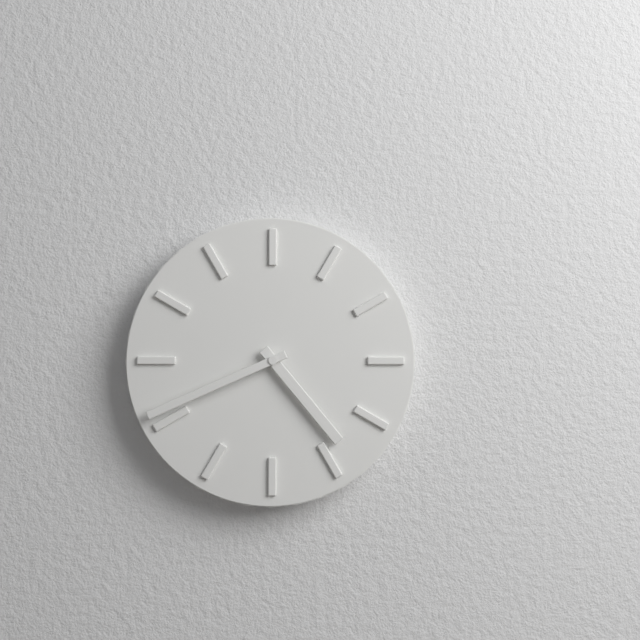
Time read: 4h41
